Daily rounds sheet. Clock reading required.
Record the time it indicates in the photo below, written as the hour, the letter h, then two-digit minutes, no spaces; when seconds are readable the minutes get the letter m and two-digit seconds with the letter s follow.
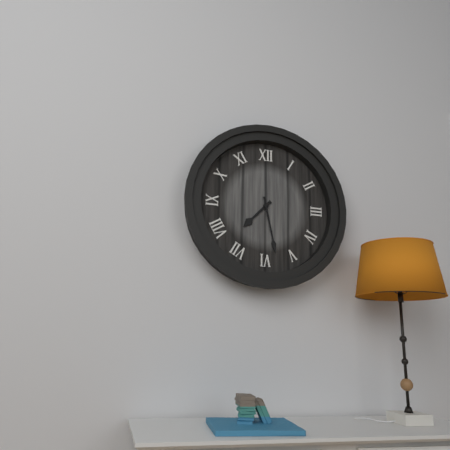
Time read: 7h28
